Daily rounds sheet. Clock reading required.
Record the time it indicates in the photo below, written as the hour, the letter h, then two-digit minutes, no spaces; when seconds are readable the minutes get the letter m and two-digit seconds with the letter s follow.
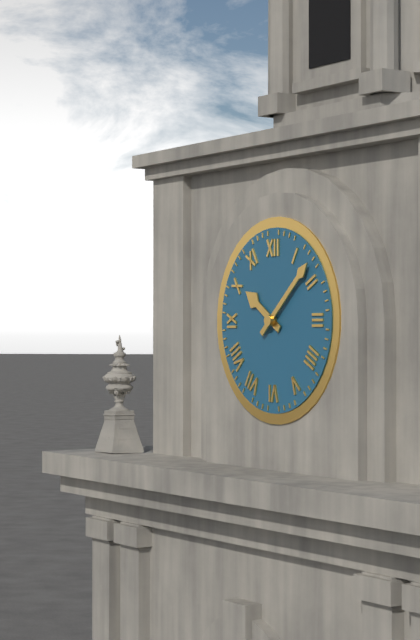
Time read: 10h08
